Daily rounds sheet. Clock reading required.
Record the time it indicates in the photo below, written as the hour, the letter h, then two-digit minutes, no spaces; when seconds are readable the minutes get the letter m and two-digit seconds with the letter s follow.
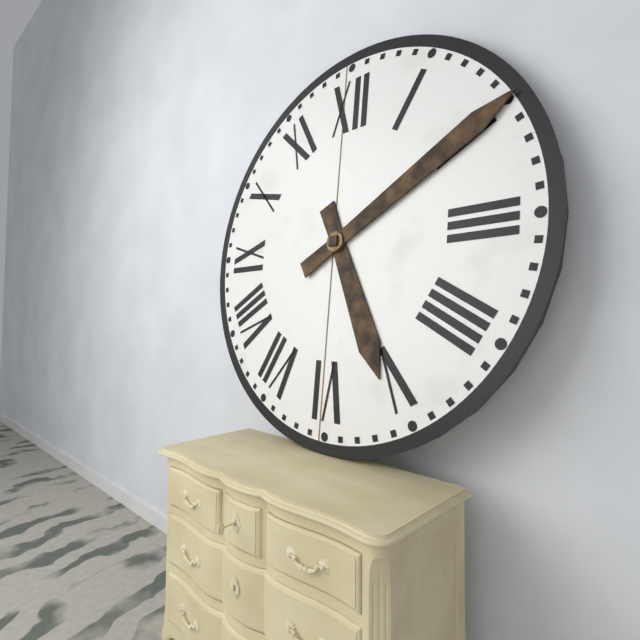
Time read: 5h10
